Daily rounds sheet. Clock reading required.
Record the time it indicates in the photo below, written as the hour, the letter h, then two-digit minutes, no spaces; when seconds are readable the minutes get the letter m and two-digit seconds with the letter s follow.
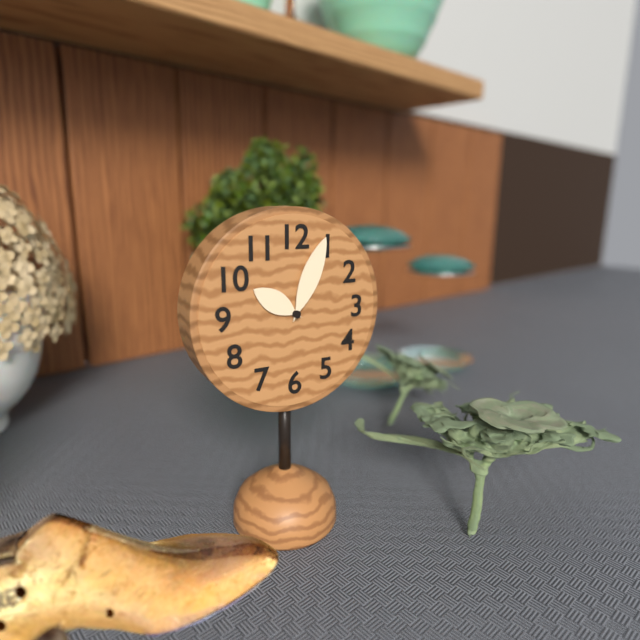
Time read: 10h04
